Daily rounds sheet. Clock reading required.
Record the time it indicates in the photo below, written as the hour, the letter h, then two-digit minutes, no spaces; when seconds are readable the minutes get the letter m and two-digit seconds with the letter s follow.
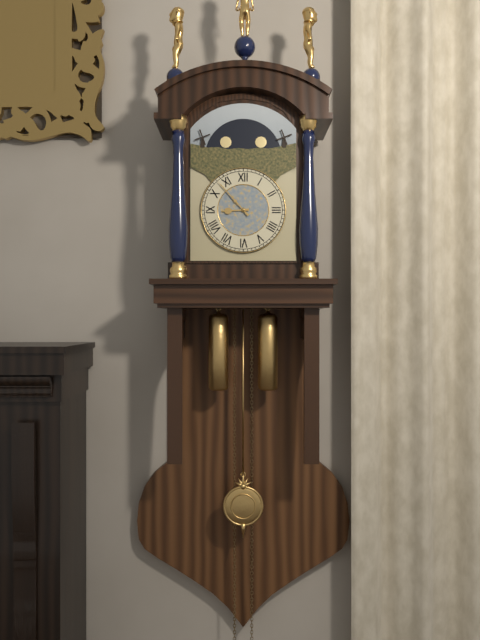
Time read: 8h53
